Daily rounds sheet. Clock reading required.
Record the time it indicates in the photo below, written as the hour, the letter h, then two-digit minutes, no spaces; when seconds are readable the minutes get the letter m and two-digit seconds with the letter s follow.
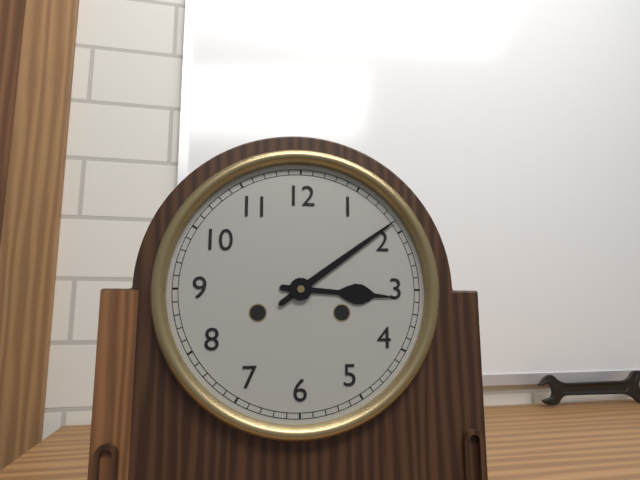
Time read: 3h09
